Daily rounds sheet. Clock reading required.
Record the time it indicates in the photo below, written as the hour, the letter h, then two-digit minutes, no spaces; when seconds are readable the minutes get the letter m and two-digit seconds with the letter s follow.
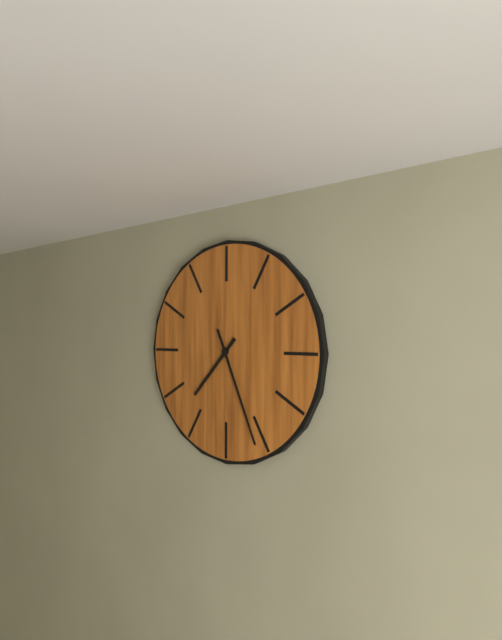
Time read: 7h26
